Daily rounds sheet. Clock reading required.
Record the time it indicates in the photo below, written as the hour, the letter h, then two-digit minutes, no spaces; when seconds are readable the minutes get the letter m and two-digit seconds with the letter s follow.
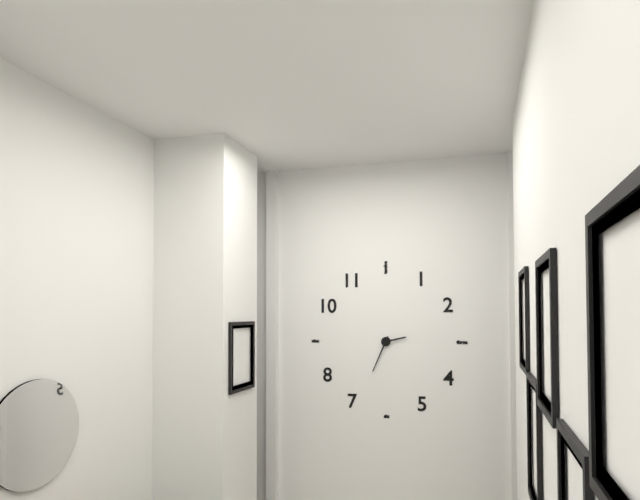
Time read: 2h34
